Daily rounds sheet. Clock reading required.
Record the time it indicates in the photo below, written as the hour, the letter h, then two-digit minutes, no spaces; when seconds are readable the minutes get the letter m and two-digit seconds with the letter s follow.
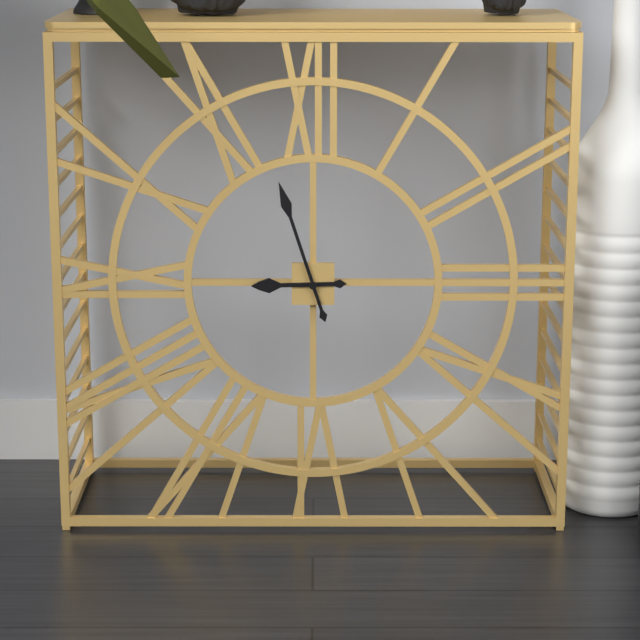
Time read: 8h57
